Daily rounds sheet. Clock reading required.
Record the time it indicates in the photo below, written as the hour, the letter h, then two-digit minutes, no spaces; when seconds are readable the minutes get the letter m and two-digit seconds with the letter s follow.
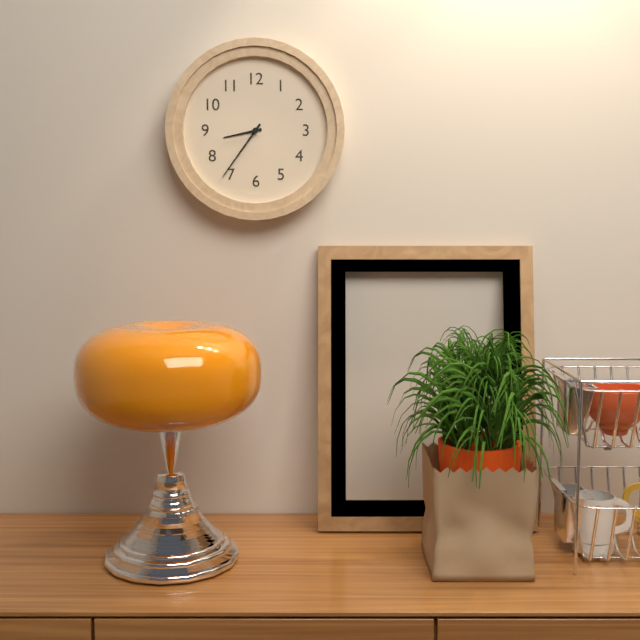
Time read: 8h36
